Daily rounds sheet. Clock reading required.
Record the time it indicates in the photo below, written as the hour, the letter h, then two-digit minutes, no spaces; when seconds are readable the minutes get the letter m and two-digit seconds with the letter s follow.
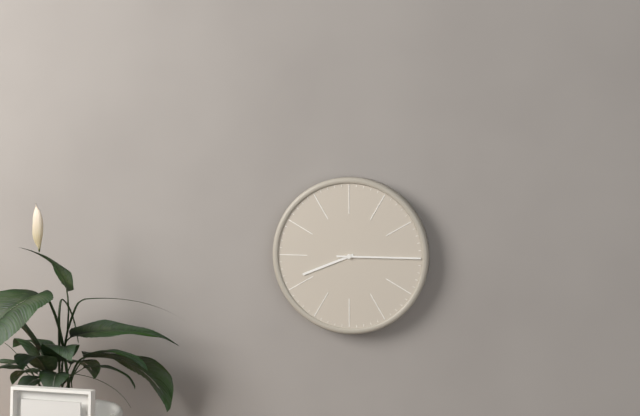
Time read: 8h15
